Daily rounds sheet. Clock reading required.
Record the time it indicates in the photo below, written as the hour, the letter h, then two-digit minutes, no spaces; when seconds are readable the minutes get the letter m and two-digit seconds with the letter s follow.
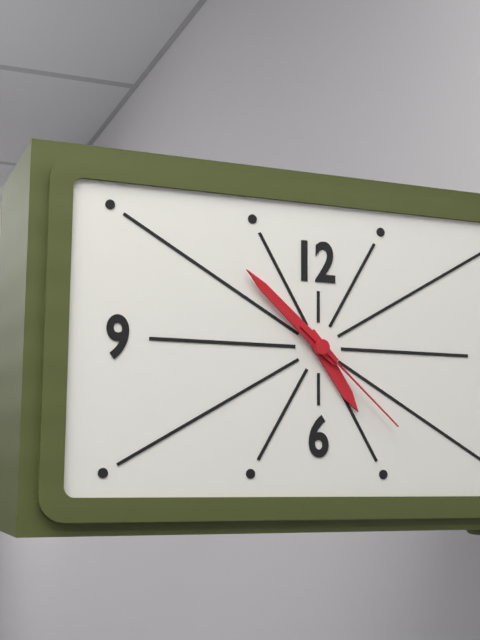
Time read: 4h52m22s
